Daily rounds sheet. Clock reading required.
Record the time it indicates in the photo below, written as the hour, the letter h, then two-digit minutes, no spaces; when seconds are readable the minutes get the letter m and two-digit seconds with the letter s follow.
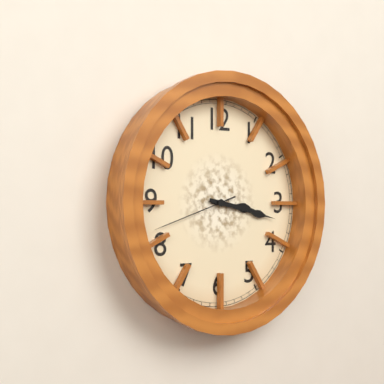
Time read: 3h17m42s
